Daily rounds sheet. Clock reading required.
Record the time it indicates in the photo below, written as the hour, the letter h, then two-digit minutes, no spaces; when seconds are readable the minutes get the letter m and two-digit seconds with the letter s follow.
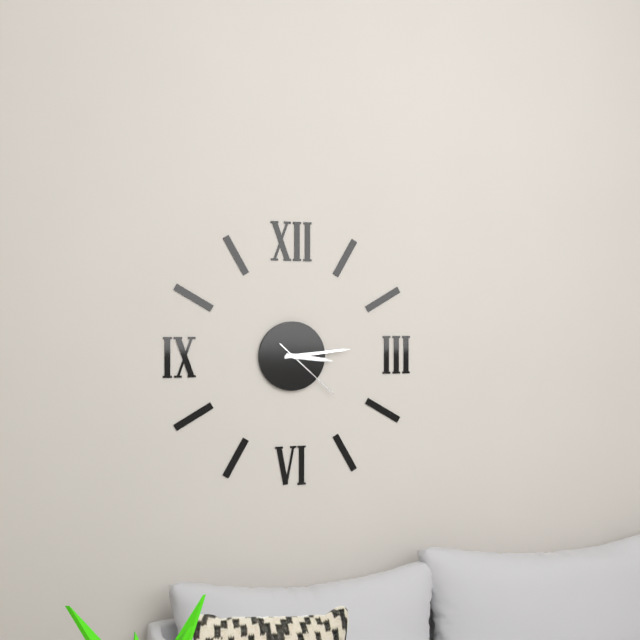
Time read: 3h14m22s
